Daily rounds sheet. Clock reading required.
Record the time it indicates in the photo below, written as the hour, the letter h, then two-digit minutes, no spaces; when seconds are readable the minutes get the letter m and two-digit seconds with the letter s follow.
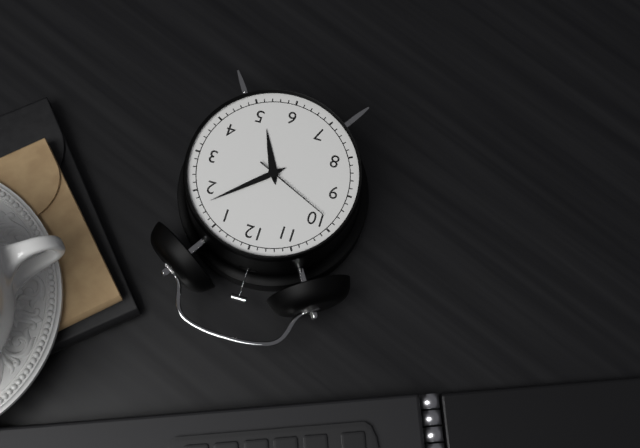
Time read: 5h08m49s
